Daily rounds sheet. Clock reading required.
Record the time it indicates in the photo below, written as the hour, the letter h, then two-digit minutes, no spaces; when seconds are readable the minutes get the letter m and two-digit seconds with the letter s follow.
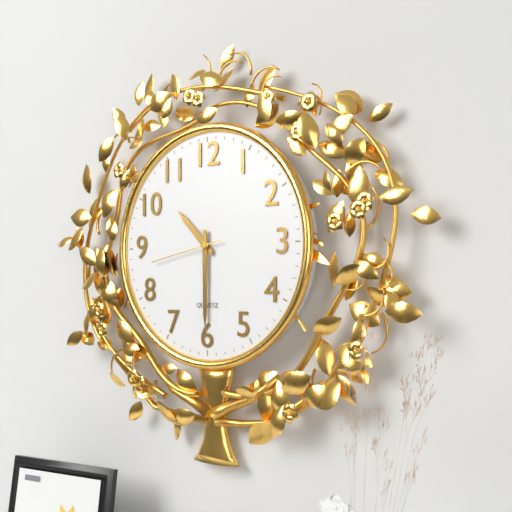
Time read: 10h30m43s
